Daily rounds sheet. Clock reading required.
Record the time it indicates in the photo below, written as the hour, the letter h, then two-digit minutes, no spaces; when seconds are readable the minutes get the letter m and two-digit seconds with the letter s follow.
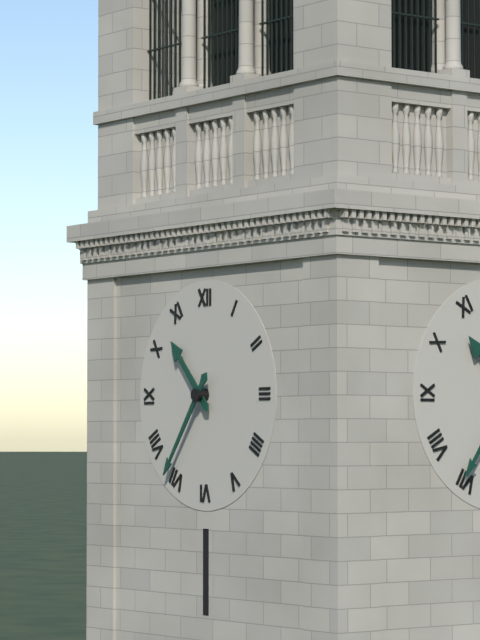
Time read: 10h36
